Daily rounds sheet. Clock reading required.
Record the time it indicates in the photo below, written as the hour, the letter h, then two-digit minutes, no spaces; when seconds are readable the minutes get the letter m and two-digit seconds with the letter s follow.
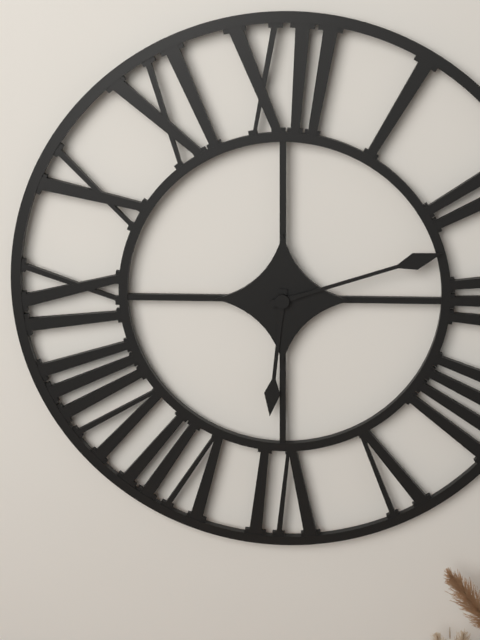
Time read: 6h12
